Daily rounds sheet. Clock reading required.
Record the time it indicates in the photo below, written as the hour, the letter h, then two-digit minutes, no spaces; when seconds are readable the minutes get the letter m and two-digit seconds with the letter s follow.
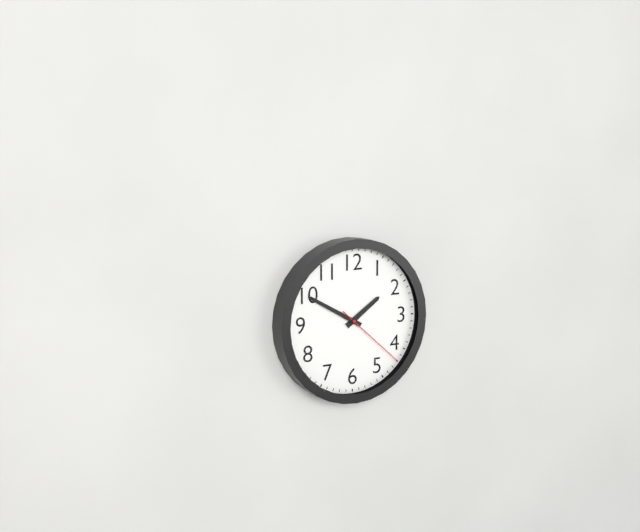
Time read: 1h50m22s
